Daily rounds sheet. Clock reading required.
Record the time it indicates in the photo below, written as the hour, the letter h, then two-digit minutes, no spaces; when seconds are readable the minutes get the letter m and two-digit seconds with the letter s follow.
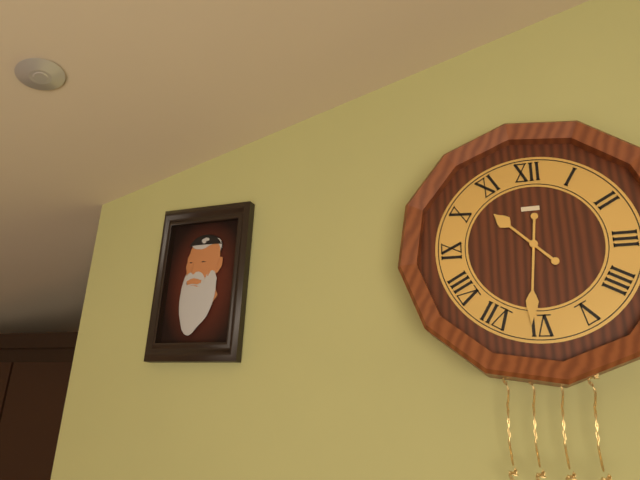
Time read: 10h31
